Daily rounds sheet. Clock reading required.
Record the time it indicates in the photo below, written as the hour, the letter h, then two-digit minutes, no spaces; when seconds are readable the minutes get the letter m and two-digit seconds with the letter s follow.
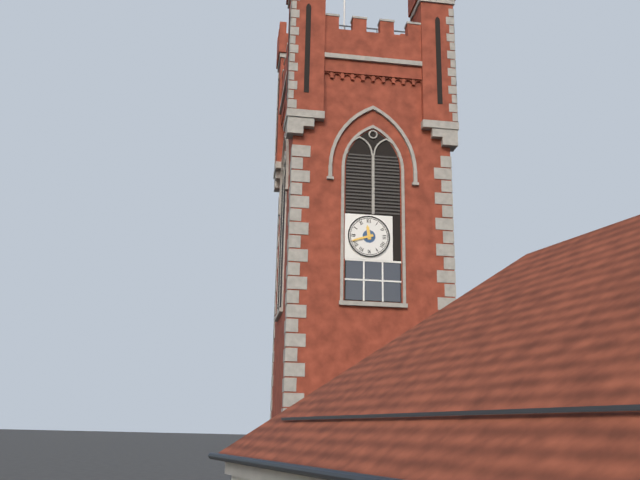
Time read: 11h42
